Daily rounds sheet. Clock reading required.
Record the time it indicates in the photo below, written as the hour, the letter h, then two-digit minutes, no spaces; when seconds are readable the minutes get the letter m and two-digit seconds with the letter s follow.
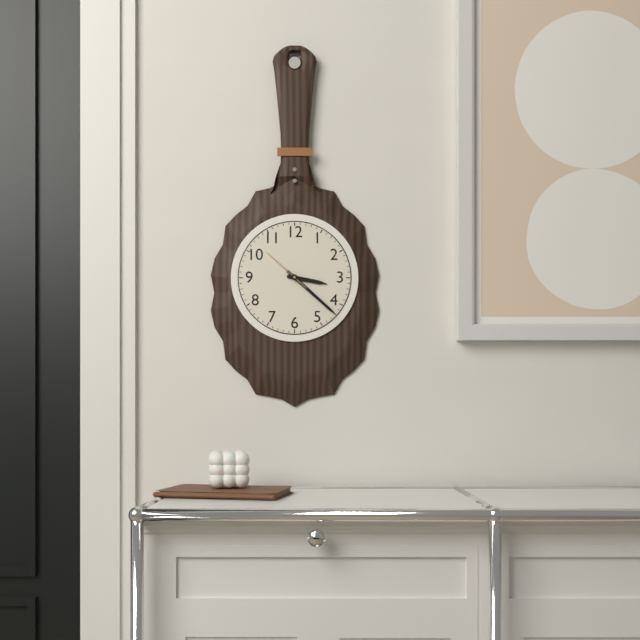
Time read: 3h22
